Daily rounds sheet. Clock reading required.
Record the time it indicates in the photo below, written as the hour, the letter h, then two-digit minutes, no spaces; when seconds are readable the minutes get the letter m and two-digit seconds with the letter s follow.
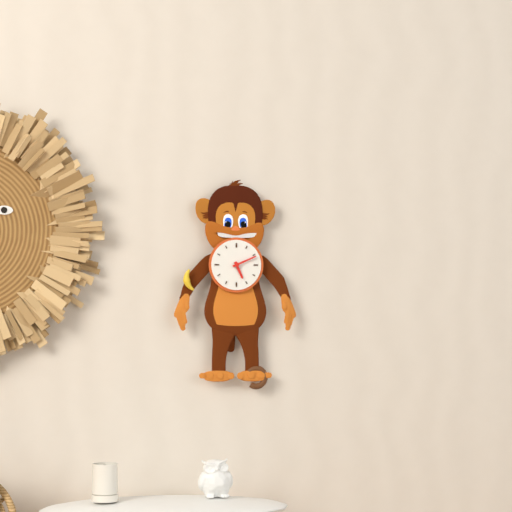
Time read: 5h11
